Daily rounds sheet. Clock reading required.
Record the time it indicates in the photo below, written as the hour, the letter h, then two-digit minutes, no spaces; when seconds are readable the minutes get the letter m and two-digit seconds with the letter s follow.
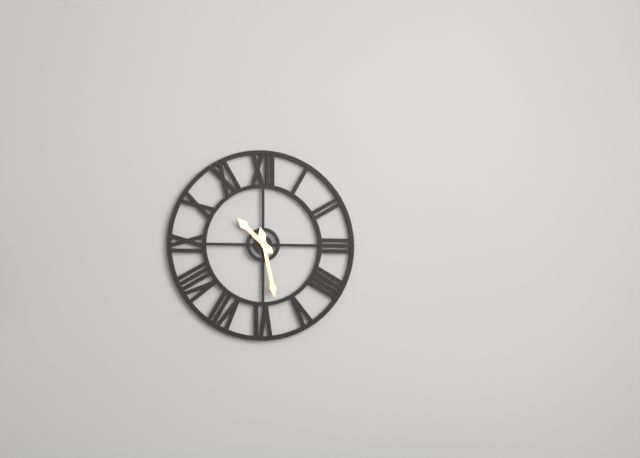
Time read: 10h28
